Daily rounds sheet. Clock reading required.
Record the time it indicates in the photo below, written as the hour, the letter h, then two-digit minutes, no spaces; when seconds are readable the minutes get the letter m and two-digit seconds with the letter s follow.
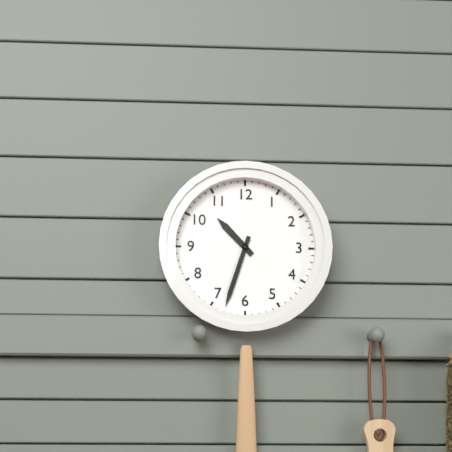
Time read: 10h33
